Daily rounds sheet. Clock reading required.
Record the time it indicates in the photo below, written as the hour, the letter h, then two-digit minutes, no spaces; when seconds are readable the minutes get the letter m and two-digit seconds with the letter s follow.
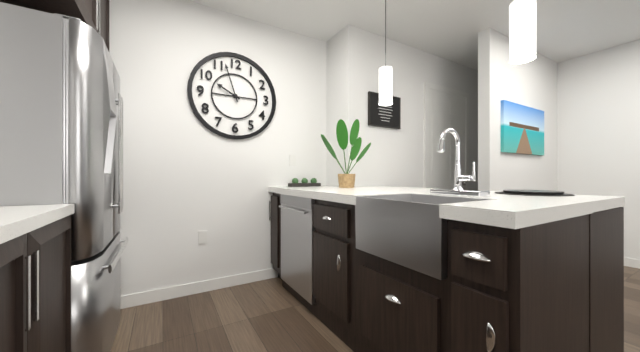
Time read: 9h57
